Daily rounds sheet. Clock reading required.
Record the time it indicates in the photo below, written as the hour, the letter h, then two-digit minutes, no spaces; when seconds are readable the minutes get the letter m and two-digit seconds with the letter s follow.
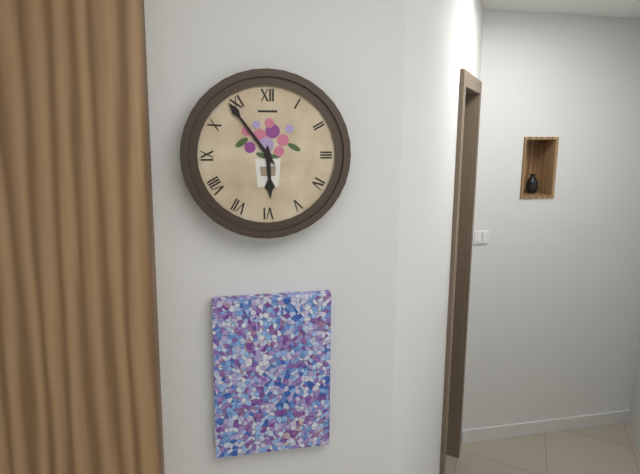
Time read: 5h54
